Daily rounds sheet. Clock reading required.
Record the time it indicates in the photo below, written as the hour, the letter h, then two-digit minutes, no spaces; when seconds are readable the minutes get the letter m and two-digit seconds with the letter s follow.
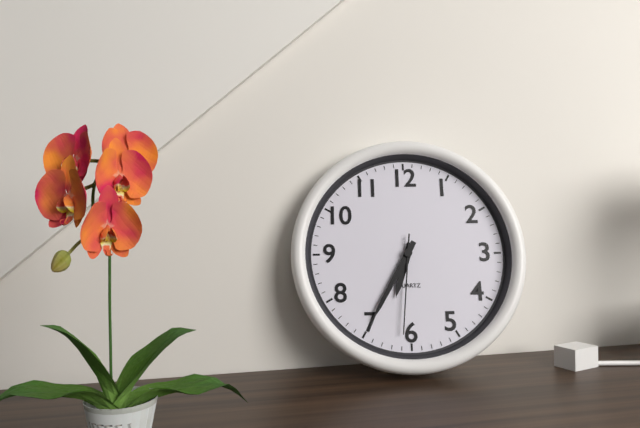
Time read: 6h35m31s
